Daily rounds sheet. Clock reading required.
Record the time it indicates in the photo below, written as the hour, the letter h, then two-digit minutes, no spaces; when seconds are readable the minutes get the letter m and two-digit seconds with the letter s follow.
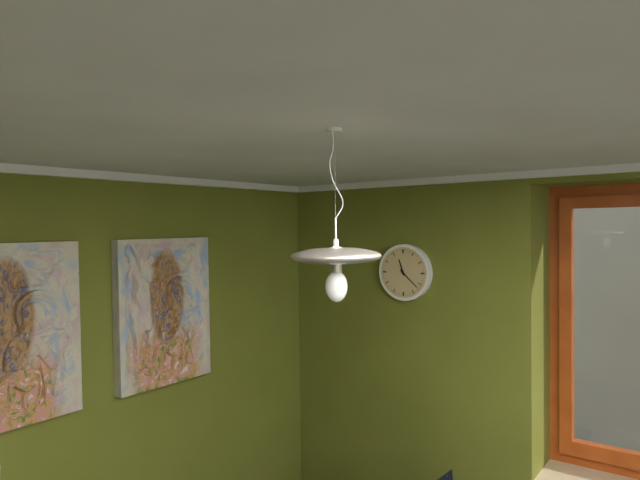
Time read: 11h22
